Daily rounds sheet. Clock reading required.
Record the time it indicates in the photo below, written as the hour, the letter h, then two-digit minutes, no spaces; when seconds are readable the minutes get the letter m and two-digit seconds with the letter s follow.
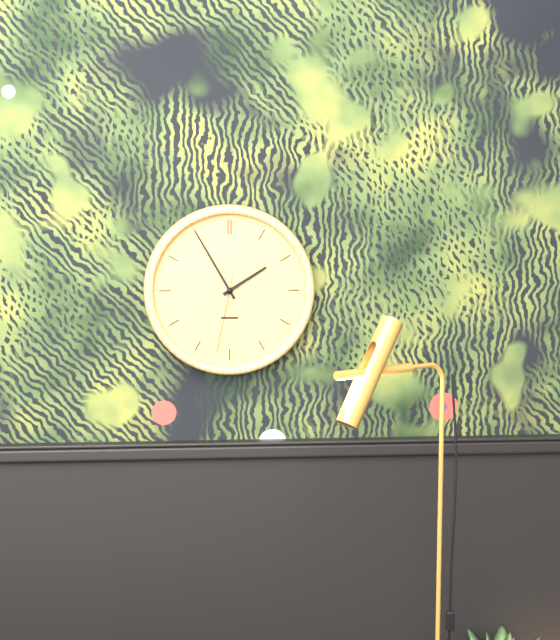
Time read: 1h55m32s
